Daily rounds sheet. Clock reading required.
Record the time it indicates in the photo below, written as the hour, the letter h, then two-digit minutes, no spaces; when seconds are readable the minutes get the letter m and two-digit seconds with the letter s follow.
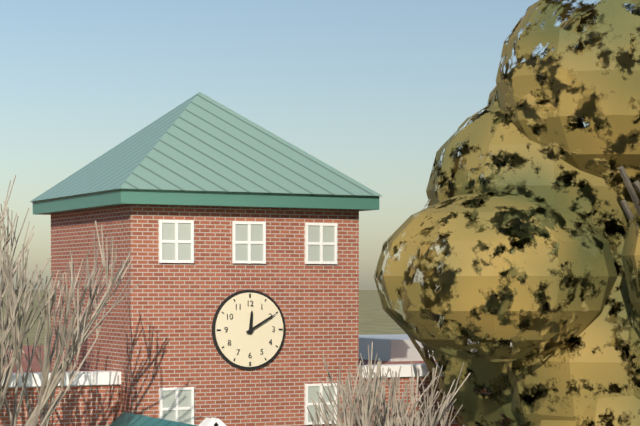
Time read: 12h10
